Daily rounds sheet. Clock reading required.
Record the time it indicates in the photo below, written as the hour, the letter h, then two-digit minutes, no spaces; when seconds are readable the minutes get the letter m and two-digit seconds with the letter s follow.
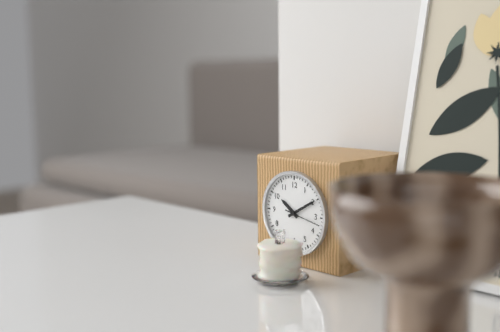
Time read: 10h10
